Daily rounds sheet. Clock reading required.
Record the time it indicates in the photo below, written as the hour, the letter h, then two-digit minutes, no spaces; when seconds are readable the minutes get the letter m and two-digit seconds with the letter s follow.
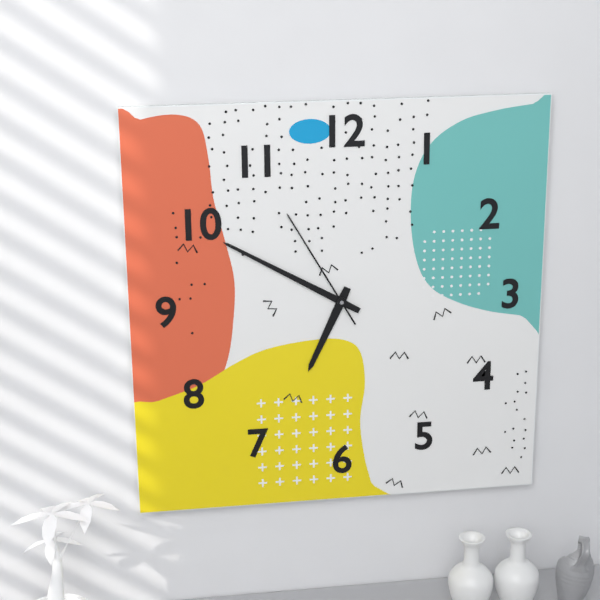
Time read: 6h50m55s
